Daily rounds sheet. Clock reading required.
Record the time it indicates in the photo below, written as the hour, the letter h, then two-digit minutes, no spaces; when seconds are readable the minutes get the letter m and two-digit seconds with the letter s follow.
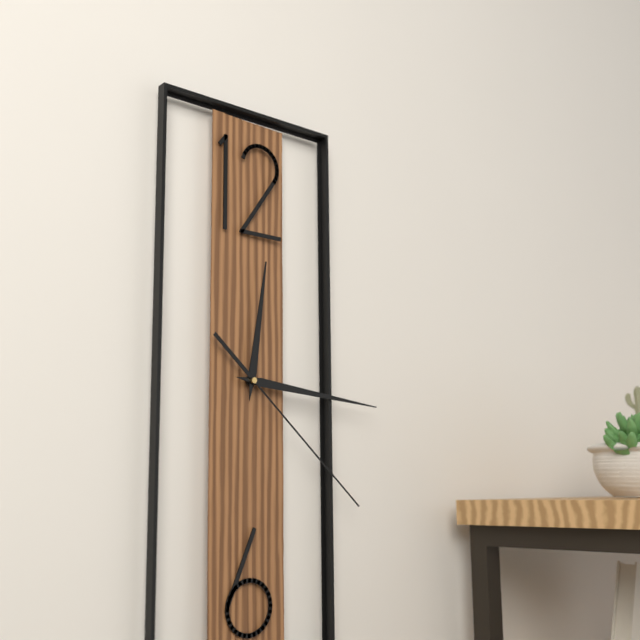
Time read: 12h16m22s
